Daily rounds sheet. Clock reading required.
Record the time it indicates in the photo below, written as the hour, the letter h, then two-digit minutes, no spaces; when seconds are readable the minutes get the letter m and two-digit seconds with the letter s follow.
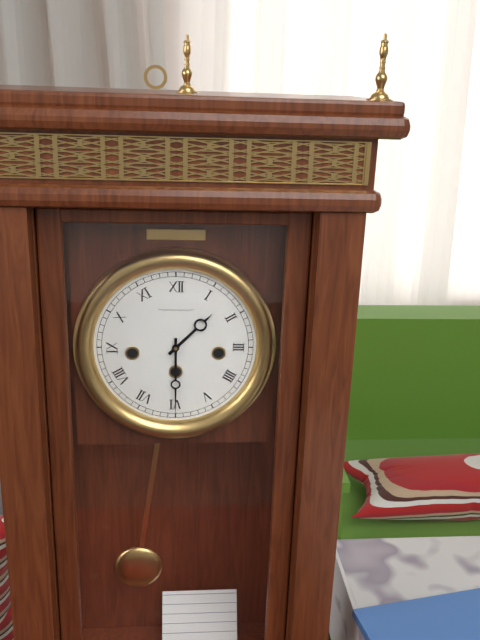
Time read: 1h30
